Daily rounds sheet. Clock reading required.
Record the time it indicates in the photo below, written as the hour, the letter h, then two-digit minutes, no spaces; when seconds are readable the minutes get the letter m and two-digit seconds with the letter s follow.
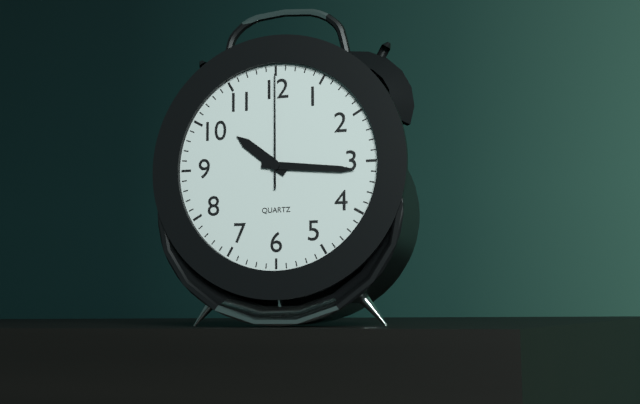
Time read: 10h16m00s
